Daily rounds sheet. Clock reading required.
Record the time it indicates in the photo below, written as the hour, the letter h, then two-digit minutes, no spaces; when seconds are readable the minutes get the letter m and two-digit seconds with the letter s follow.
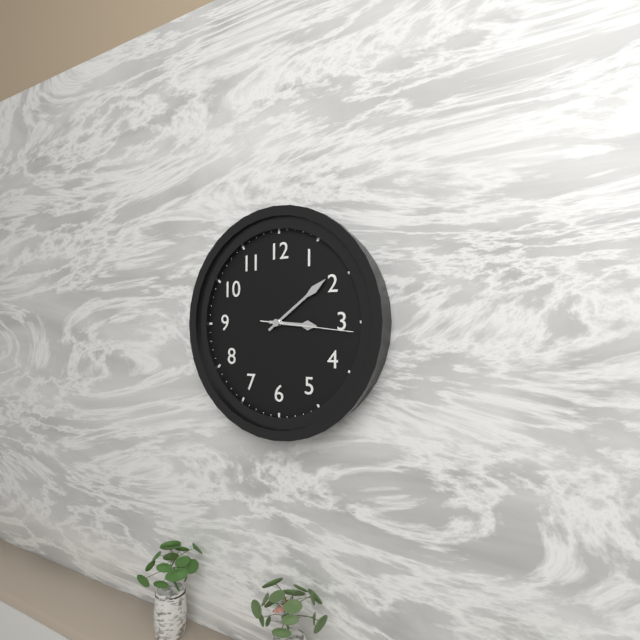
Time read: 3h09m16s
